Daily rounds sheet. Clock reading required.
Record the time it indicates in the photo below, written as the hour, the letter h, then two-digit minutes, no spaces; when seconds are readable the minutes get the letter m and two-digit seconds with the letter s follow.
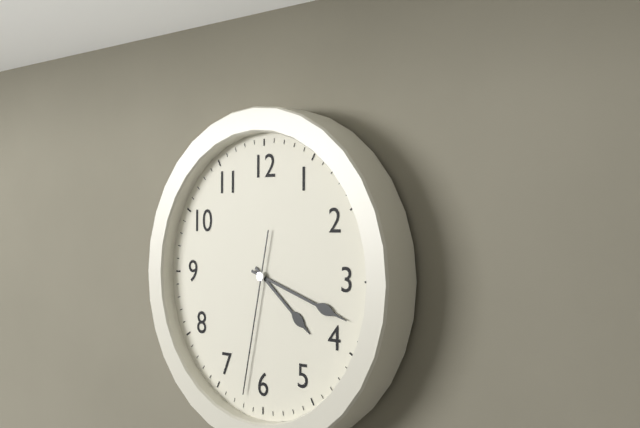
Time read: 4h18m32s
